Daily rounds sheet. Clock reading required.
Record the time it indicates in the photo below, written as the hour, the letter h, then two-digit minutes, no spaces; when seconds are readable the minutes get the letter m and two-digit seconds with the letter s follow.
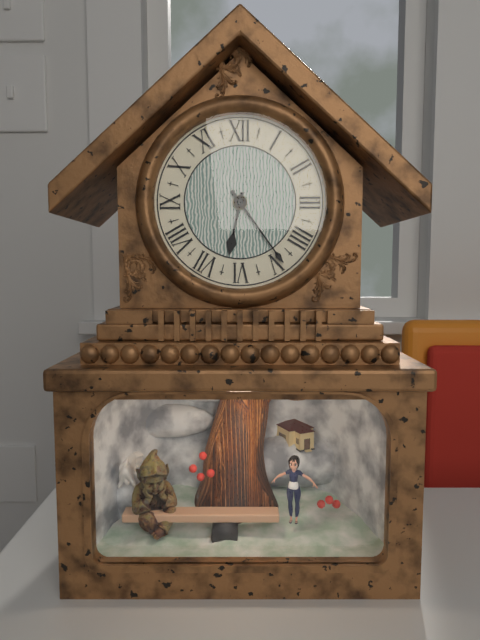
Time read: 6h24
